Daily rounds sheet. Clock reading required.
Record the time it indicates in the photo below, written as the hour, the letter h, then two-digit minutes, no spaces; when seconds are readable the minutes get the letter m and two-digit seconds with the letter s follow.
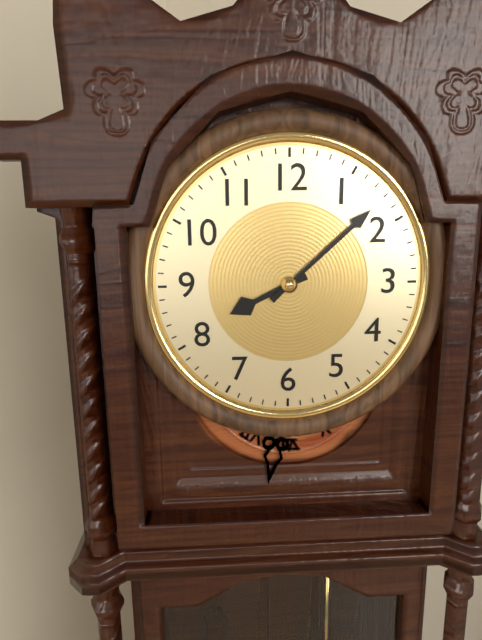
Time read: 8h08
